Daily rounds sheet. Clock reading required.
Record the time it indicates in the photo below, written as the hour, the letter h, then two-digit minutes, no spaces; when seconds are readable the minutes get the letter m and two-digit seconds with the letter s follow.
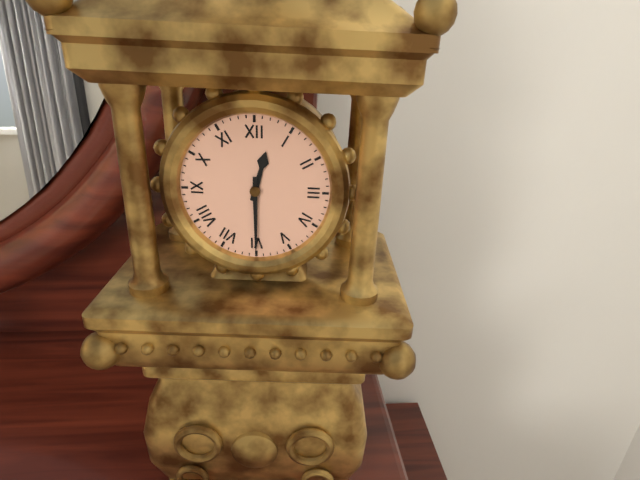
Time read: 12h30
